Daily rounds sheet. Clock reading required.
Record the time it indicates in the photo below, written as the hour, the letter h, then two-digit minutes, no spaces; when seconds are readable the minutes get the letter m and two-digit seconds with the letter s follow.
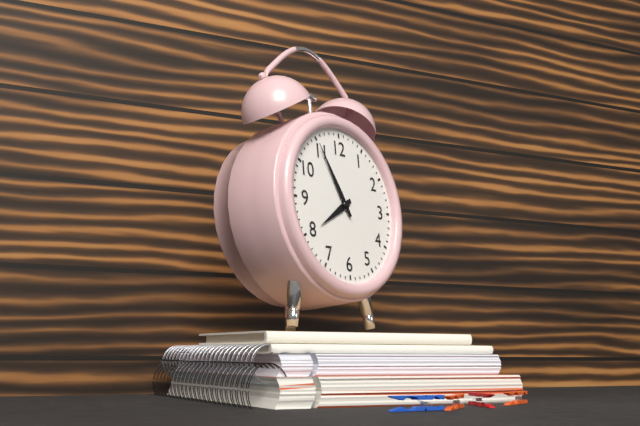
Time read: 7h55
